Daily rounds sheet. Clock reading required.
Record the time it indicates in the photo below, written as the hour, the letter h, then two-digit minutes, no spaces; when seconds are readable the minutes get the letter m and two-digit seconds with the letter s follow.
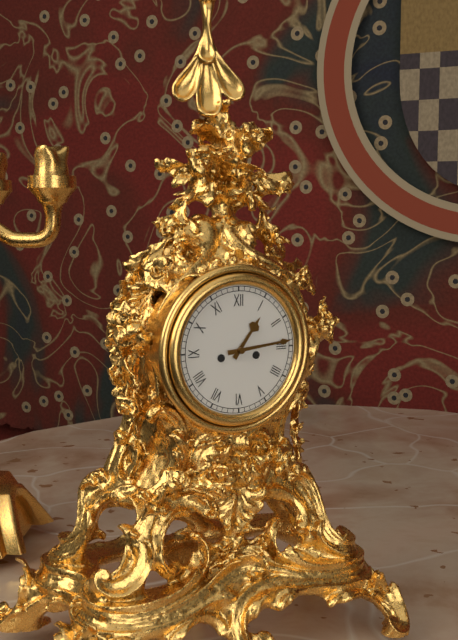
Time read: 1h14
